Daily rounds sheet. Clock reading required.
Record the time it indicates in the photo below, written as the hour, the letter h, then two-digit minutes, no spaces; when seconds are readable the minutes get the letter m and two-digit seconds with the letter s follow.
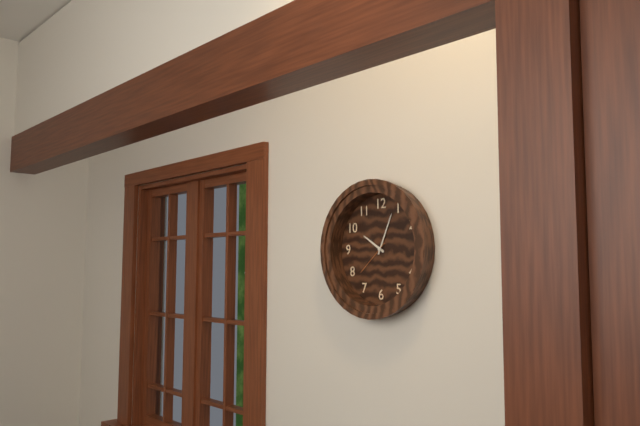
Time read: 10h04
